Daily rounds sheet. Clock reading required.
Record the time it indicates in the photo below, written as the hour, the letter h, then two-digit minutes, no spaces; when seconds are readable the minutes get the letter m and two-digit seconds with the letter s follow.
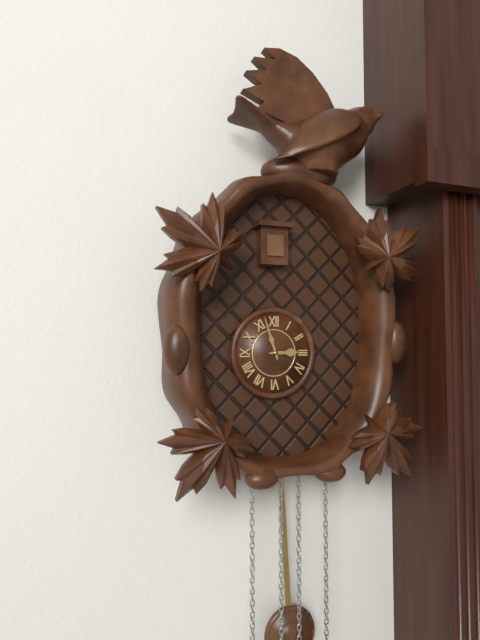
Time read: 2h57
